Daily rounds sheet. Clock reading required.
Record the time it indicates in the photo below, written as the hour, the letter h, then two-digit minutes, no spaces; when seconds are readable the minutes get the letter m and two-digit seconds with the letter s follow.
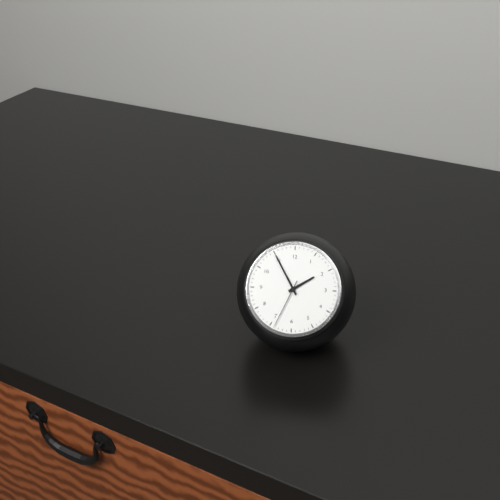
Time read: 1h55m34s
